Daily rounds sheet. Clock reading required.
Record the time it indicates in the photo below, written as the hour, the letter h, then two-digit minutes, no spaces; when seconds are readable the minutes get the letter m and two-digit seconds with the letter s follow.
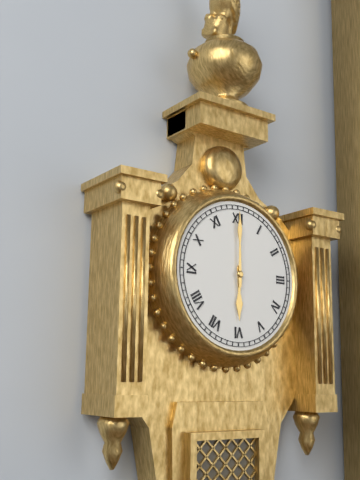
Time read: 6h00
